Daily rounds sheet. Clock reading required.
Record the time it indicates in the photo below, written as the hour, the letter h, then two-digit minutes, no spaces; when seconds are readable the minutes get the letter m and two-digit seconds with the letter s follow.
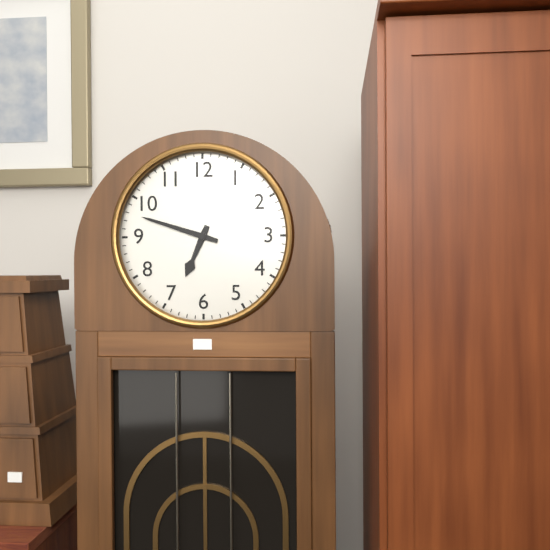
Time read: 6h48
